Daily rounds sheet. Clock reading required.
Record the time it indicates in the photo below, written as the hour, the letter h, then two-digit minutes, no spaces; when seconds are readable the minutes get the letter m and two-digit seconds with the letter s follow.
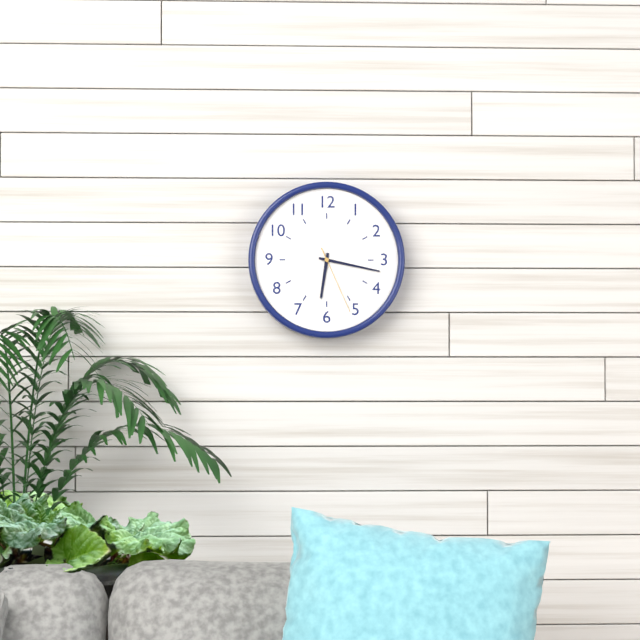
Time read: 6h17m26s
